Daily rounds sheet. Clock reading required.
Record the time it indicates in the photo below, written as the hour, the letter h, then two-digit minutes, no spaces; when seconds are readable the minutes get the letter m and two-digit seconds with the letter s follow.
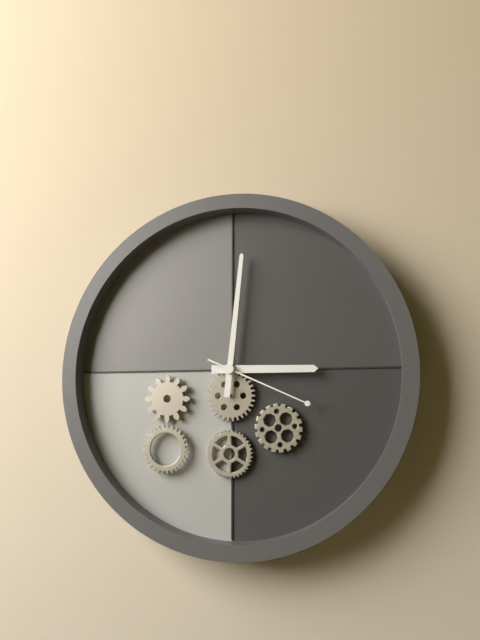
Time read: 3h01m19s
